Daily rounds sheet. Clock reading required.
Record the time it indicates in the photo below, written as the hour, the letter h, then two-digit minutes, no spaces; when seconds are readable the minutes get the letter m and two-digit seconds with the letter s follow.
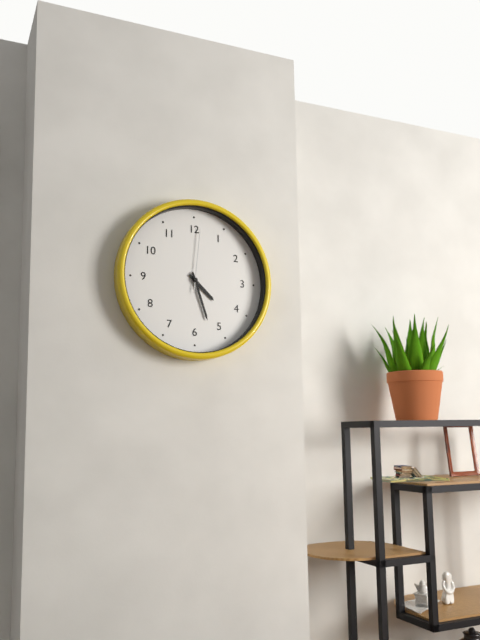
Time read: 4h27m01s
